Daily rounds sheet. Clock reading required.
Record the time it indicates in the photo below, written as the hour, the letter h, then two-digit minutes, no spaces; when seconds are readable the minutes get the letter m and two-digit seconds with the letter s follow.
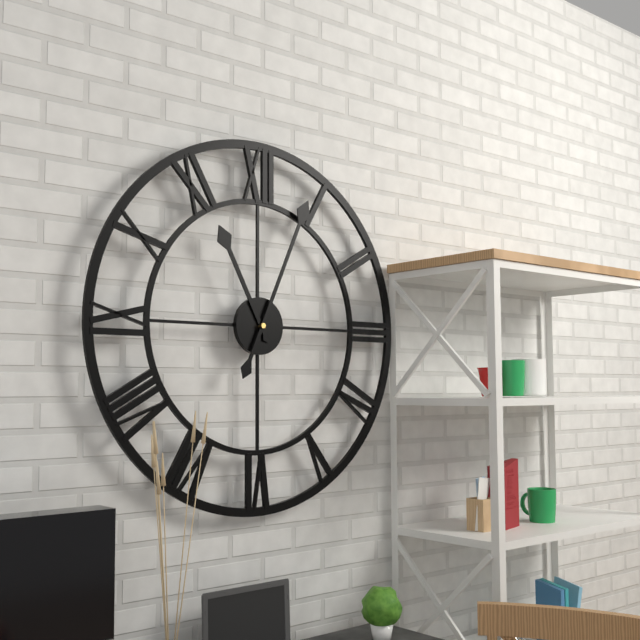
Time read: 11h04
